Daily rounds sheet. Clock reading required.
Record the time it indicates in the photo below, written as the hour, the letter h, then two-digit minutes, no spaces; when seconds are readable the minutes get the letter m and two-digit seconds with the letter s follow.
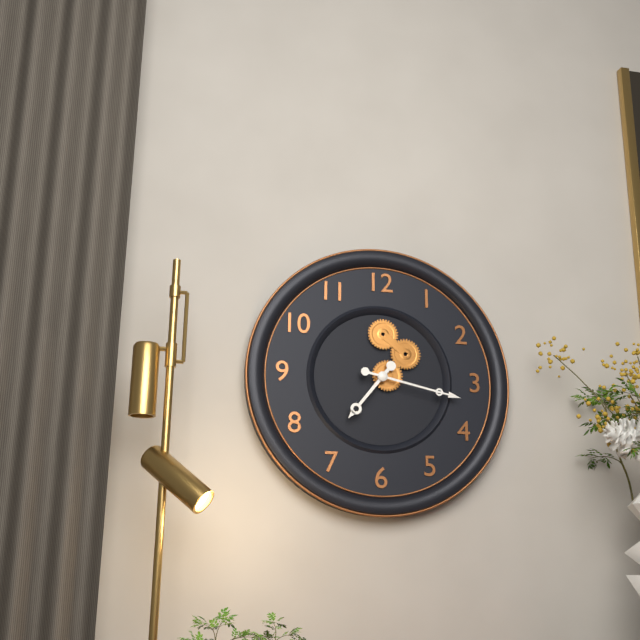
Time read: 7h17
